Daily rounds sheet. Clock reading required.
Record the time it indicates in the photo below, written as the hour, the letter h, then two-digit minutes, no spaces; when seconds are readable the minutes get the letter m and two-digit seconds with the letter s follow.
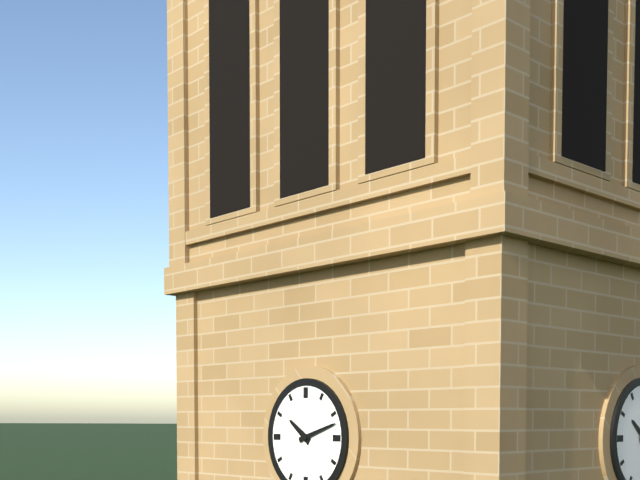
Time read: 10h12
